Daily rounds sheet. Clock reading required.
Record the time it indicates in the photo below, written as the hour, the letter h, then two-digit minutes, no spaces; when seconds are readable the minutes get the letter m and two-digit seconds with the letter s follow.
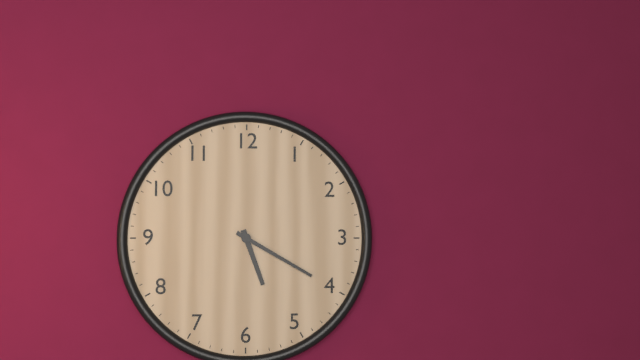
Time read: 5h20
